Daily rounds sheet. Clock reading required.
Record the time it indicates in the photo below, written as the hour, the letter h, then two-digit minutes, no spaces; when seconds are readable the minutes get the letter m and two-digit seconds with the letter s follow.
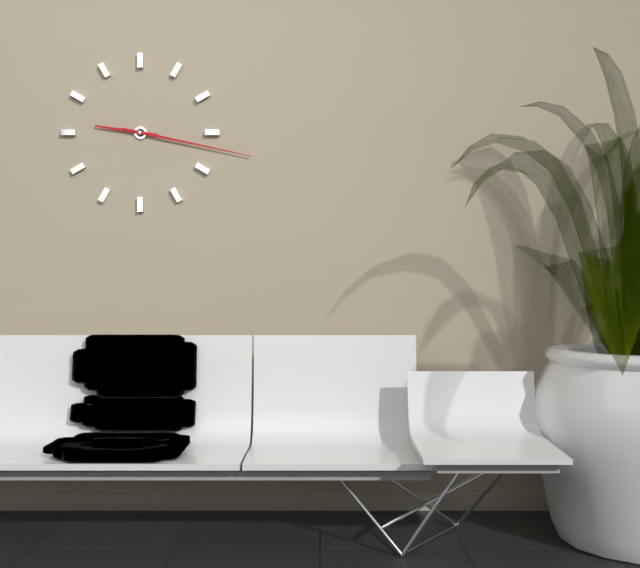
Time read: 9h17
